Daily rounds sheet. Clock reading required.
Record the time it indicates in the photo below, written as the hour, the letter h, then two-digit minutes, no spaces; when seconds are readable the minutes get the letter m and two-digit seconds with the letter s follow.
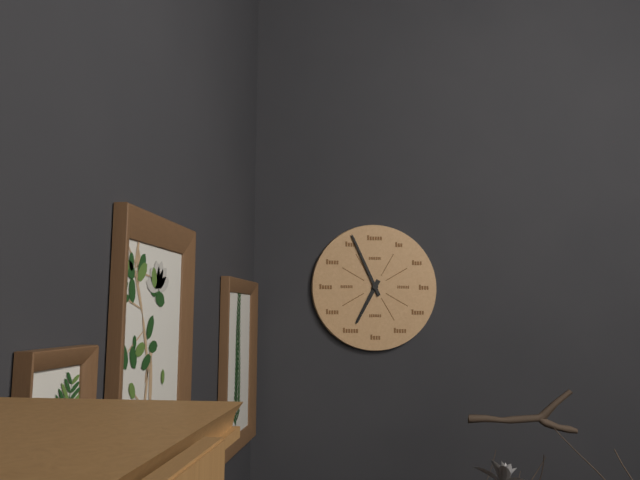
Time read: 6h56
